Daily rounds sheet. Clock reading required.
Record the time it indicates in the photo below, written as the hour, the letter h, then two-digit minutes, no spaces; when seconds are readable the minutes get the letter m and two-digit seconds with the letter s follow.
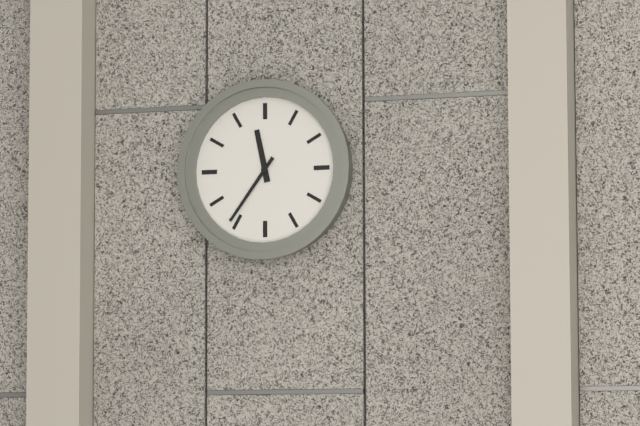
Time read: 11h36
